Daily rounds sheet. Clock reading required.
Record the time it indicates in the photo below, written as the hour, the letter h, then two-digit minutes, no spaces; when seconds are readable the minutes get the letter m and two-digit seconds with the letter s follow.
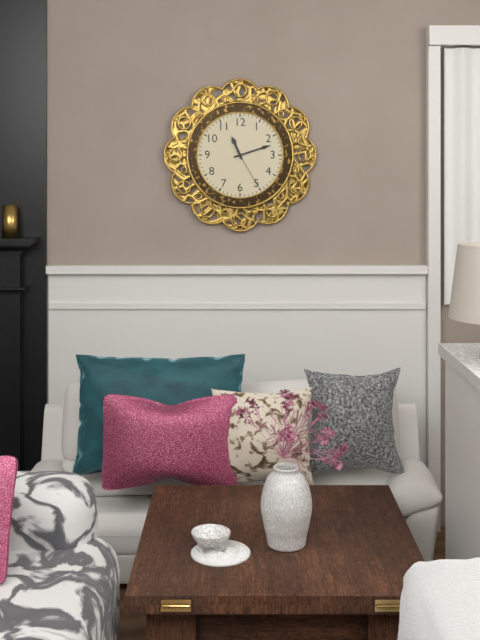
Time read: 11h12
